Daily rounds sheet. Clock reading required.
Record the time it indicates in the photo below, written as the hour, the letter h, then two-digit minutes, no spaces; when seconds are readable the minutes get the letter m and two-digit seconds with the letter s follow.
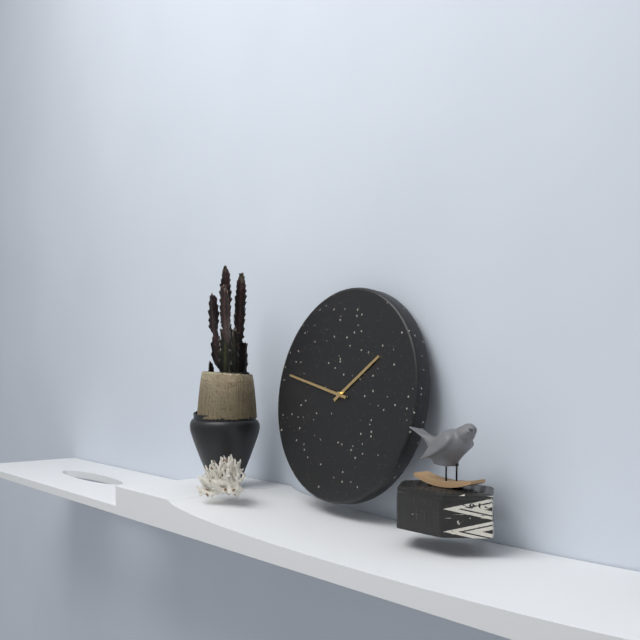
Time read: 1h47
